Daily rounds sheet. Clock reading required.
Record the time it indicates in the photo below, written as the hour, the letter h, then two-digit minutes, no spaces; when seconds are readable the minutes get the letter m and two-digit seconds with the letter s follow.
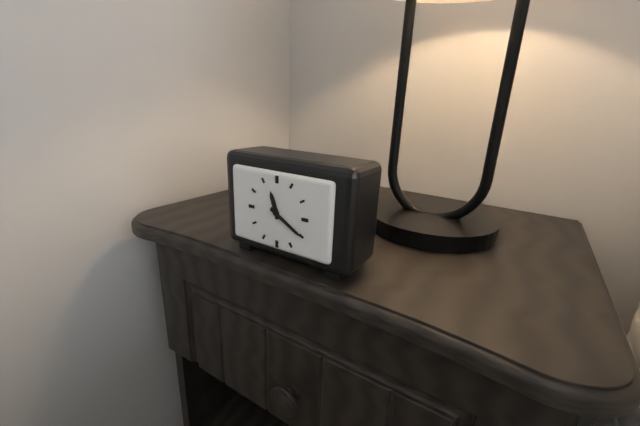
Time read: 11h20
